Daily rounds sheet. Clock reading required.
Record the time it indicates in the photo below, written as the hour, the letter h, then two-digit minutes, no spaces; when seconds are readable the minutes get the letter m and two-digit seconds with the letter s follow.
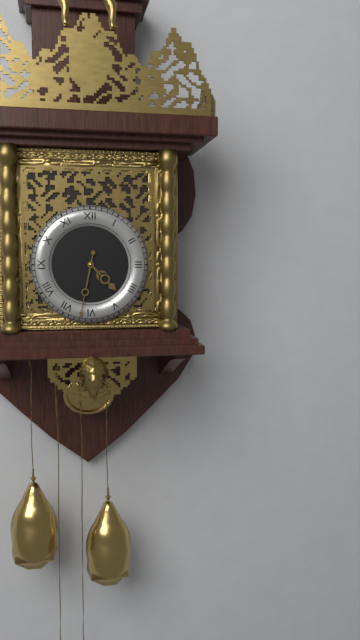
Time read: 4h32
